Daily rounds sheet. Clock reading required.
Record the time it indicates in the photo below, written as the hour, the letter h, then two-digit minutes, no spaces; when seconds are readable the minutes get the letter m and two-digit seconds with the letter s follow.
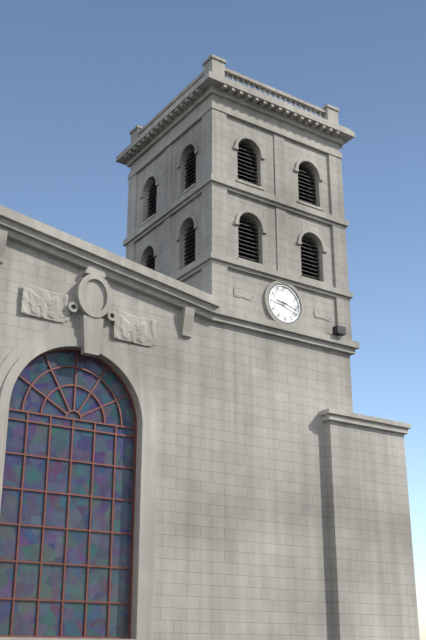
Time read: 9h18
